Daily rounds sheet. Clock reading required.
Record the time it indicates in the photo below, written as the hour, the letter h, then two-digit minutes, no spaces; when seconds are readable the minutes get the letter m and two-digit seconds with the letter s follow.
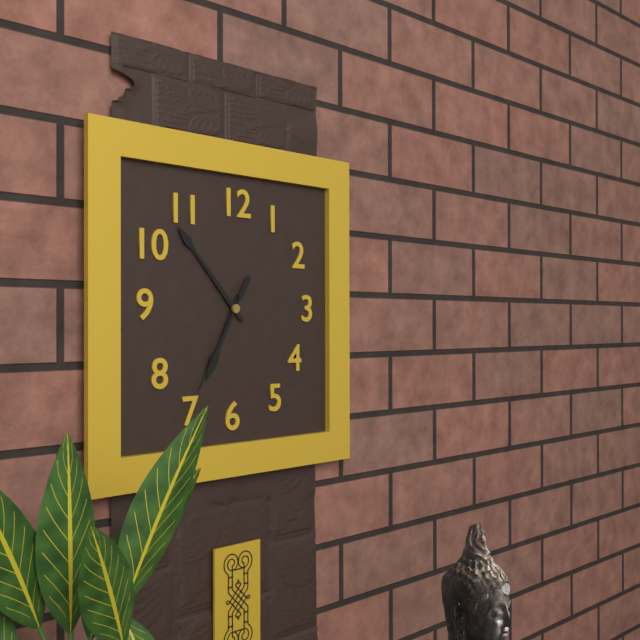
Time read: 6h53m35s
